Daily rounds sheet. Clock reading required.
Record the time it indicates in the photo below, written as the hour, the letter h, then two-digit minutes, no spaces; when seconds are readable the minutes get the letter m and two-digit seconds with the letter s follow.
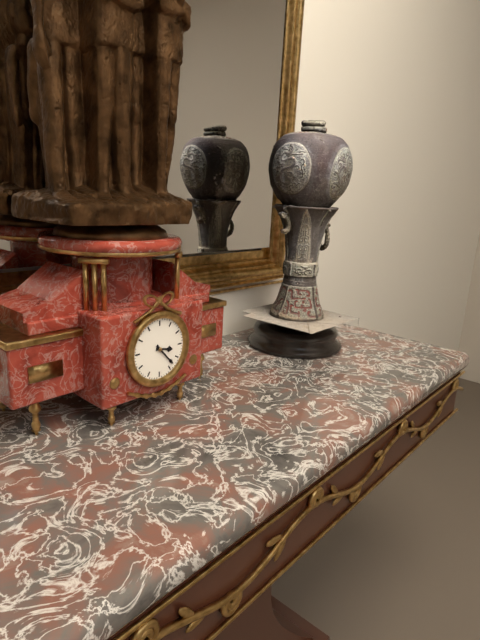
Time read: 3h23
